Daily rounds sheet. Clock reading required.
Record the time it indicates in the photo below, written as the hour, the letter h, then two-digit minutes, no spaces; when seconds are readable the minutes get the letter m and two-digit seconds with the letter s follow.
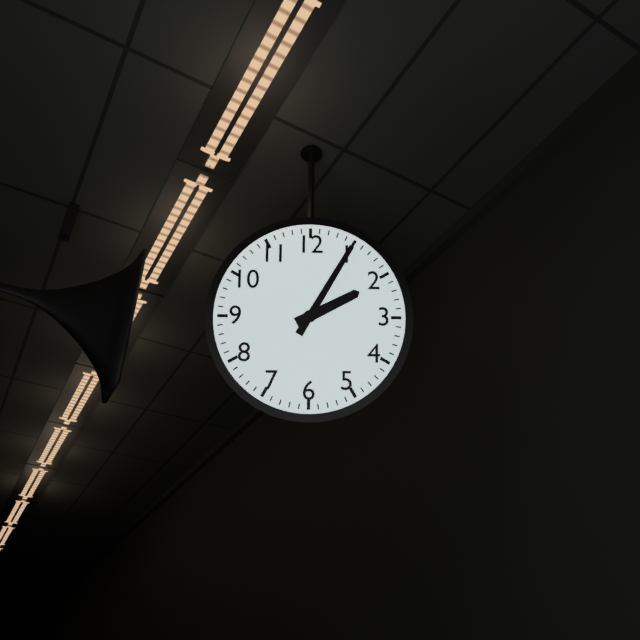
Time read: 2h05
